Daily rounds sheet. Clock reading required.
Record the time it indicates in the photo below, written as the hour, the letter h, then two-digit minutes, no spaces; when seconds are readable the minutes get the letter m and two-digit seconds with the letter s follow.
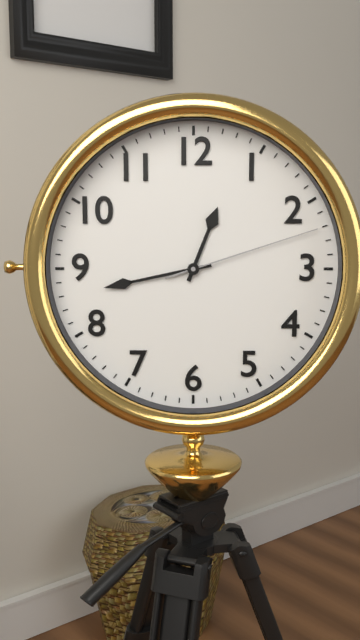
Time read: 12h43m12s
